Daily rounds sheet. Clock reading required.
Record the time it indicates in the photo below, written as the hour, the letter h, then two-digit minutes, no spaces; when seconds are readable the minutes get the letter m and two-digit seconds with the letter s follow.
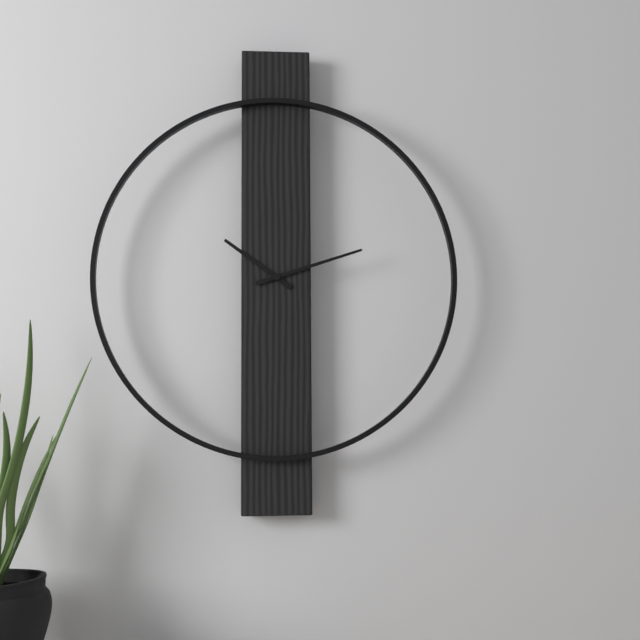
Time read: 10h12
